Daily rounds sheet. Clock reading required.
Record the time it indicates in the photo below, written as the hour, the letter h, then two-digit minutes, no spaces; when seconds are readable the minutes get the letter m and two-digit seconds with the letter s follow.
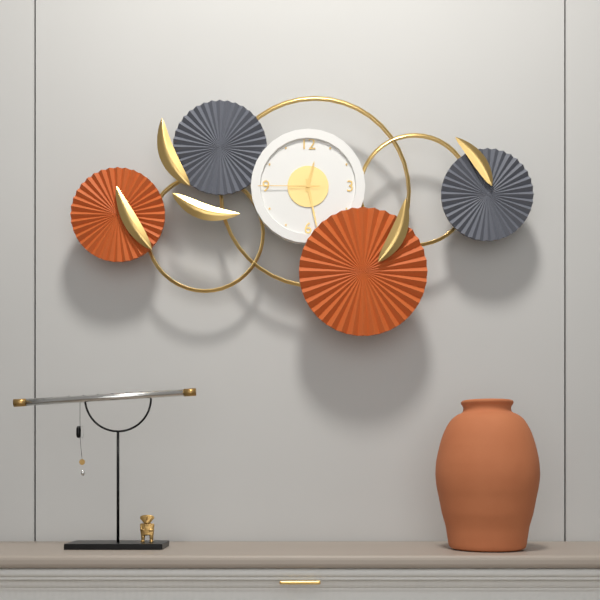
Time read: 12h28m45s
